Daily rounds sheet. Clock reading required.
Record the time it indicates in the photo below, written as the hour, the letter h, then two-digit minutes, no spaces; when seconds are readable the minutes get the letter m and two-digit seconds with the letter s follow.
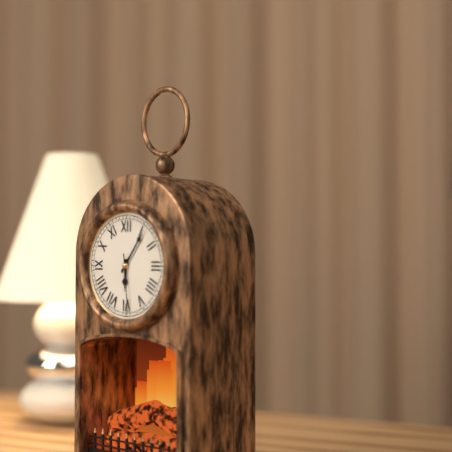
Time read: 6h06m29s
